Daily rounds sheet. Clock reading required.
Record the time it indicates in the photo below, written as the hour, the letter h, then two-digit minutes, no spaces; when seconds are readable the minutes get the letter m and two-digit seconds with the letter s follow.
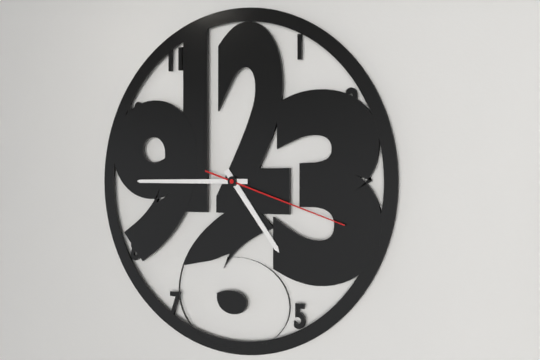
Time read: 4h45m18s
